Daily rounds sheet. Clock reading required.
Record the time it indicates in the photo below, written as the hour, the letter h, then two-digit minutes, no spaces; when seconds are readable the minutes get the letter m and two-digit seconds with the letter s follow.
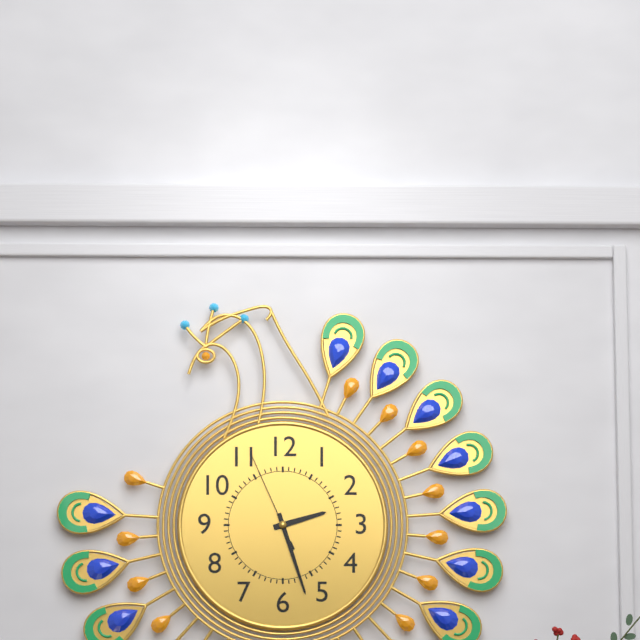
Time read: 2h27m56s
